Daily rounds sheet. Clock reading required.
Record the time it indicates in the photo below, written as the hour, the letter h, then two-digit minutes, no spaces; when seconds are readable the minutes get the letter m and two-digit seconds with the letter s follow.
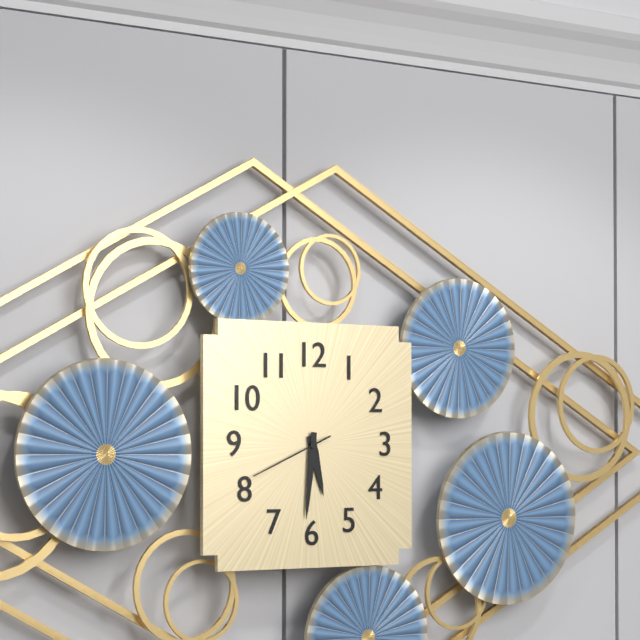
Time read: 5h31m41s
